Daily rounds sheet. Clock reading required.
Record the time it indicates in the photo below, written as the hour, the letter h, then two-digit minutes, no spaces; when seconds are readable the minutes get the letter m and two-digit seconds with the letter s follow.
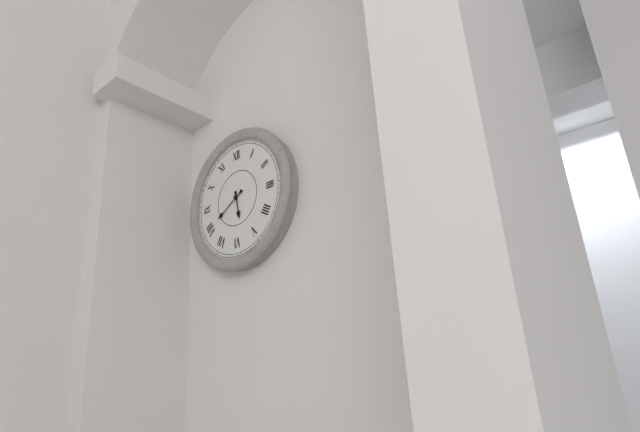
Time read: 5h40
